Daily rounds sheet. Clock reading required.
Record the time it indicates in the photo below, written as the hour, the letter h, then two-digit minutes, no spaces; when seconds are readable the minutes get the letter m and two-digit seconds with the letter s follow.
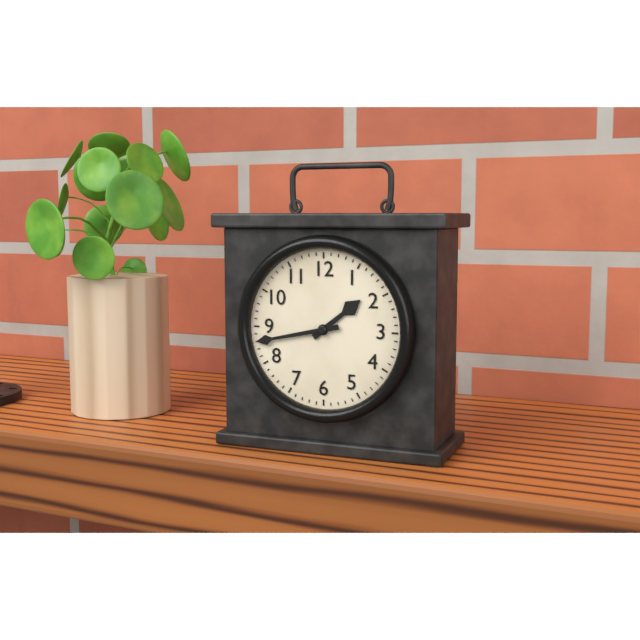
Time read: 1h43
